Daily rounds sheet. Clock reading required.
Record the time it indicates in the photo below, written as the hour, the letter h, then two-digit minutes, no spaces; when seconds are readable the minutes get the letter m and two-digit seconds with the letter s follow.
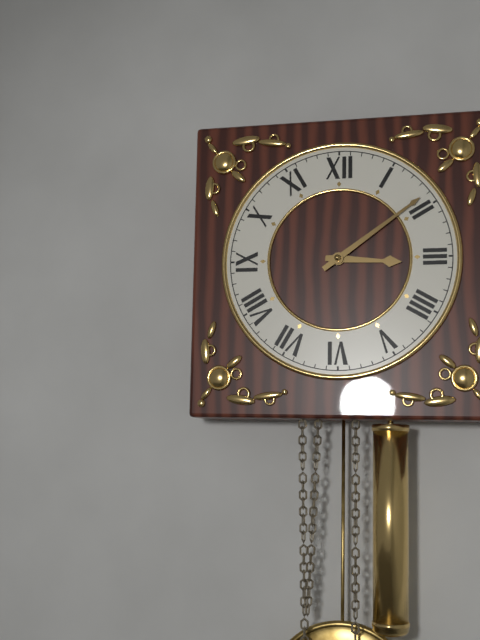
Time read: 3h09
